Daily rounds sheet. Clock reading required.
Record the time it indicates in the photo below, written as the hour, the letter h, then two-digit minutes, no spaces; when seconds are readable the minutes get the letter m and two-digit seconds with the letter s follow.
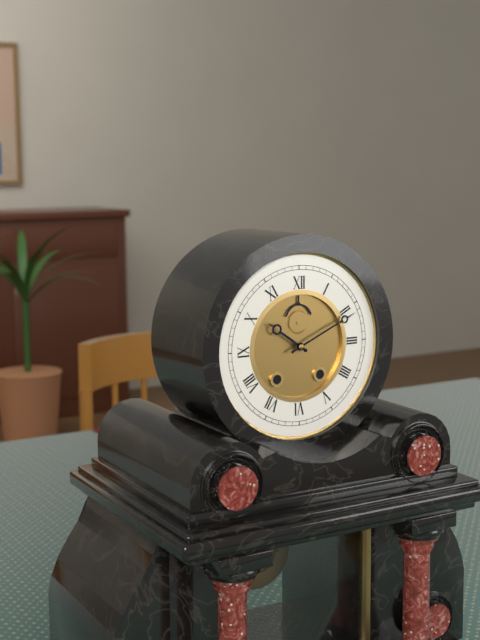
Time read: 10h11
